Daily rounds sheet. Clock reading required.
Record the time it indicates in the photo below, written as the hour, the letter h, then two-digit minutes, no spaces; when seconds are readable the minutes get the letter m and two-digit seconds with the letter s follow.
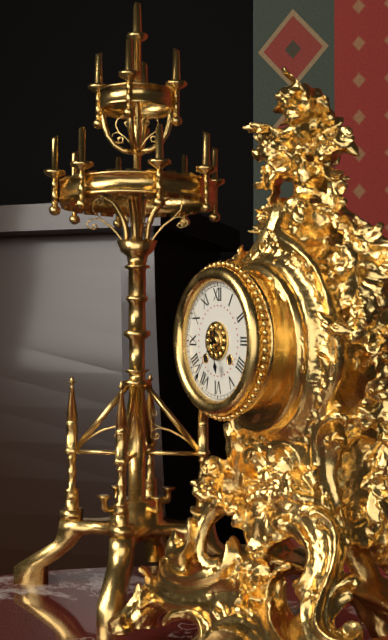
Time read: 5h36
